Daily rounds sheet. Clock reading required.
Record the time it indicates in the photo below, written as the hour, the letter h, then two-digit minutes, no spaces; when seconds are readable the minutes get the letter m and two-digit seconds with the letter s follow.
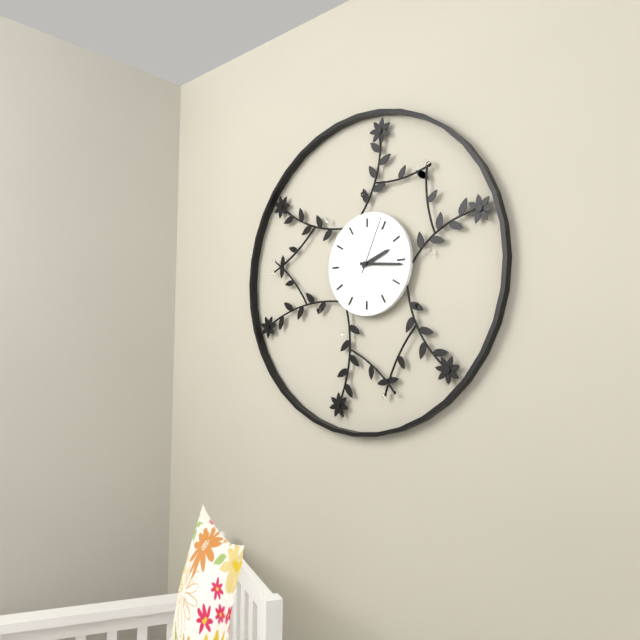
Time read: 2h16m04s
